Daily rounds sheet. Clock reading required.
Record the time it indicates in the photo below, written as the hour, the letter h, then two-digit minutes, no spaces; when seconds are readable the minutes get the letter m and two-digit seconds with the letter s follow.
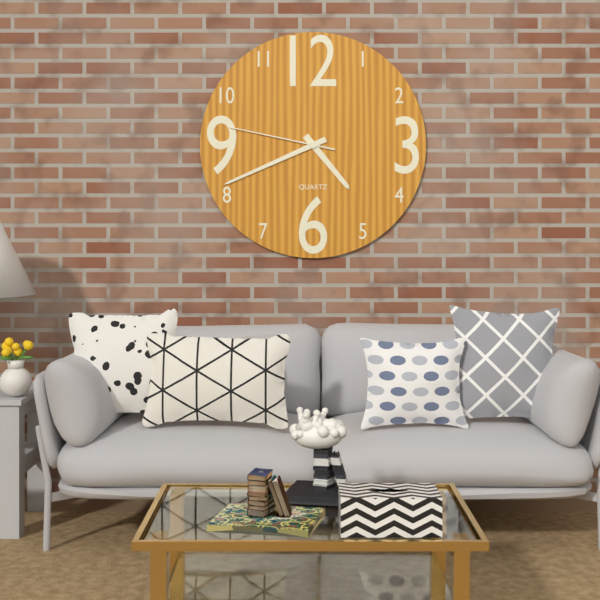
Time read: 4h41m47s
